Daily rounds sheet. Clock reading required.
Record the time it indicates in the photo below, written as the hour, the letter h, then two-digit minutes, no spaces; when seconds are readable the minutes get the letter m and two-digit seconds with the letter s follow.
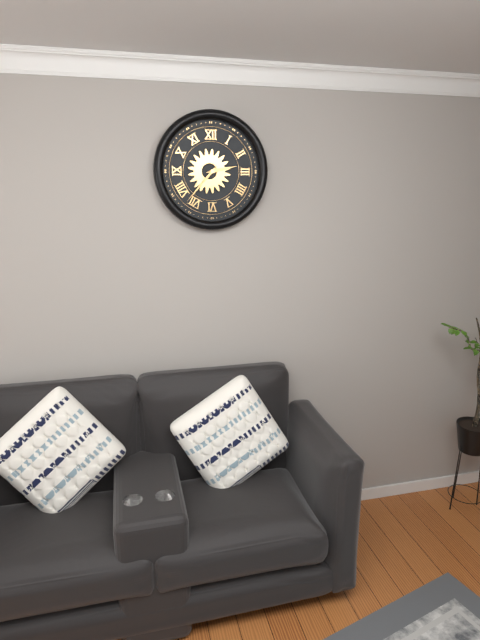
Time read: 2h37
